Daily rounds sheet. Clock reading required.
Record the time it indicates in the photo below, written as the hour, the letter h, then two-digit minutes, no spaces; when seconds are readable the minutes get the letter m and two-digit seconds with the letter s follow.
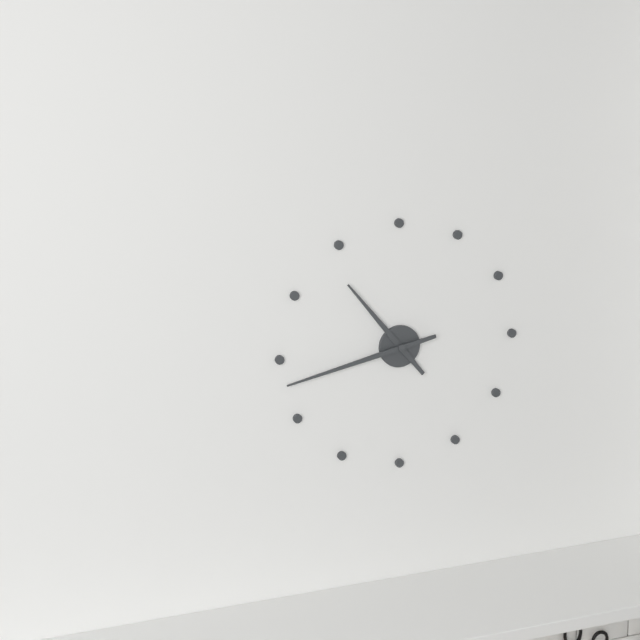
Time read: 10h43
